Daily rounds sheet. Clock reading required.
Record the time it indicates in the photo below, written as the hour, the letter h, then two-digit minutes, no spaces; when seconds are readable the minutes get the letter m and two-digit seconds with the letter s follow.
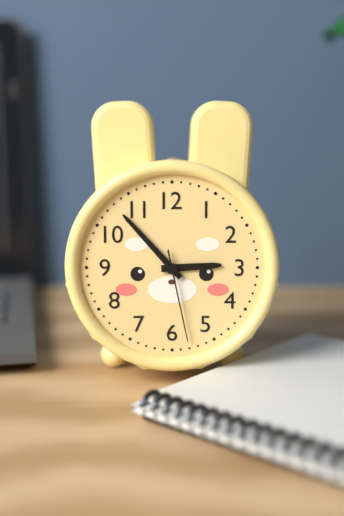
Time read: 2h53m28s
